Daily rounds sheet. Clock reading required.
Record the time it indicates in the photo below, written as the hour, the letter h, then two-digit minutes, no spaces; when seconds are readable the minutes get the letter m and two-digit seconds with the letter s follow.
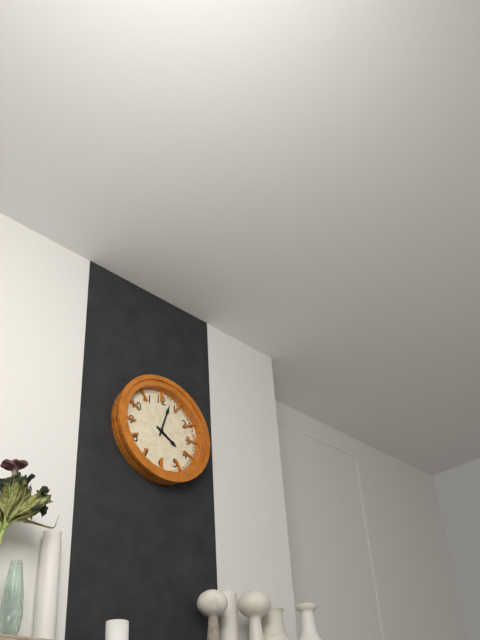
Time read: 4h03
